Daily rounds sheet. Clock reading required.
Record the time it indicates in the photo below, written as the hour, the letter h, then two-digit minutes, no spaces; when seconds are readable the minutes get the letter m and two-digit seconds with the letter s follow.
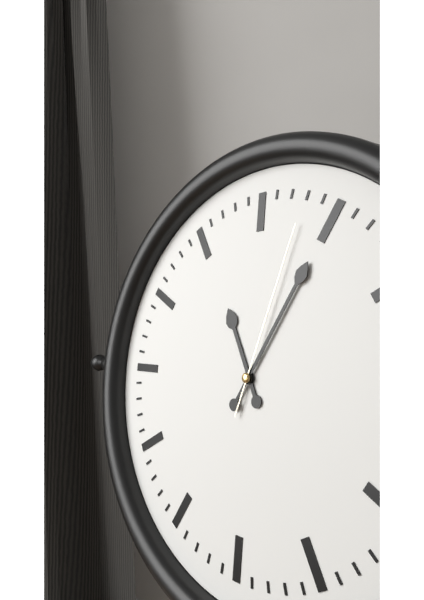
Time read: 11h05m03s
